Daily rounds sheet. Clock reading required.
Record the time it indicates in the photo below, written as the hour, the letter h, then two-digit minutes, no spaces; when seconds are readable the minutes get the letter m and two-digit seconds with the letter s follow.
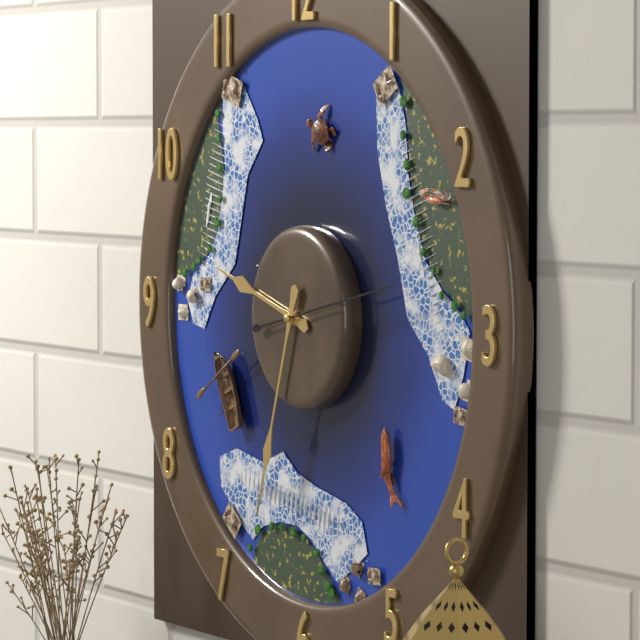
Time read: 9h33m13s
